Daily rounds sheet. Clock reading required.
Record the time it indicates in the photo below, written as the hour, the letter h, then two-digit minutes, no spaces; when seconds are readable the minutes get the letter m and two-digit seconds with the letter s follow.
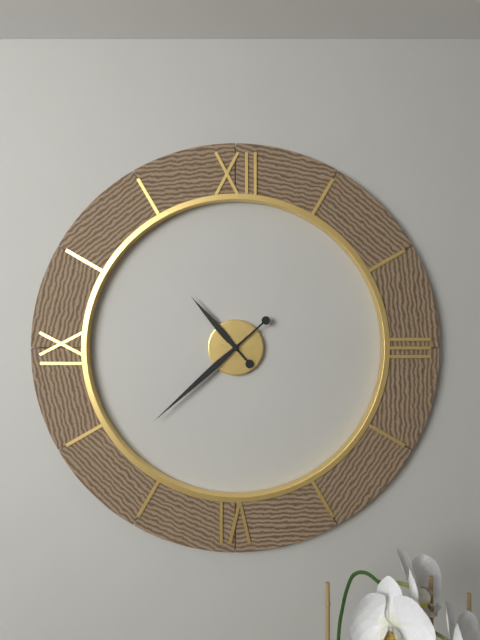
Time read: 10h38
